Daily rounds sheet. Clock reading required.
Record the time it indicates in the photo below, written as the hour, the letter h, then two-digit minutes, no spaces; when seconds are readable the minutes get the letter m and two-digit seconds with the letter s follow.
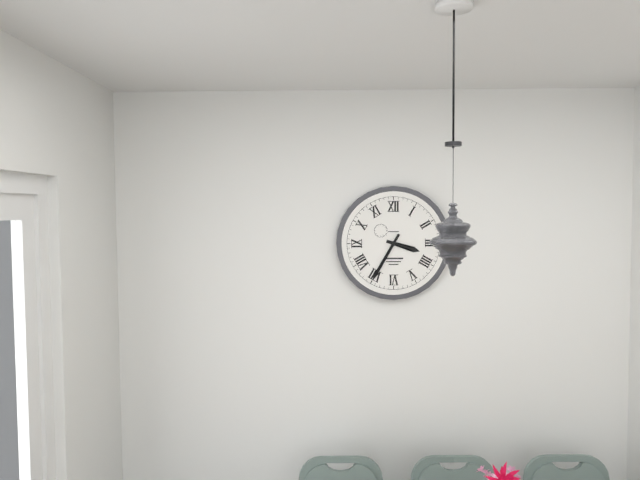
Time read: 3h35
